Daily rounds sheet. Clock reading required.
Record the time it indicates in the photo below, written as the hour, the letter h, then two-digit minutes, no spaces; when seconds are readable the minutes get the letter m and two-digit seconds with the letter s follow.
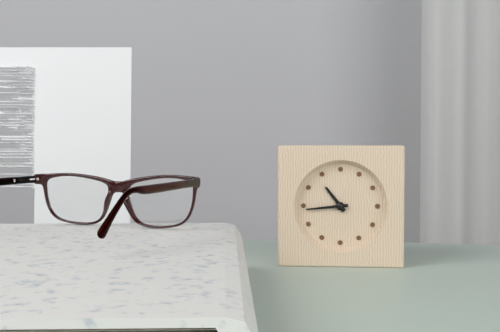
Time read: 10h44
